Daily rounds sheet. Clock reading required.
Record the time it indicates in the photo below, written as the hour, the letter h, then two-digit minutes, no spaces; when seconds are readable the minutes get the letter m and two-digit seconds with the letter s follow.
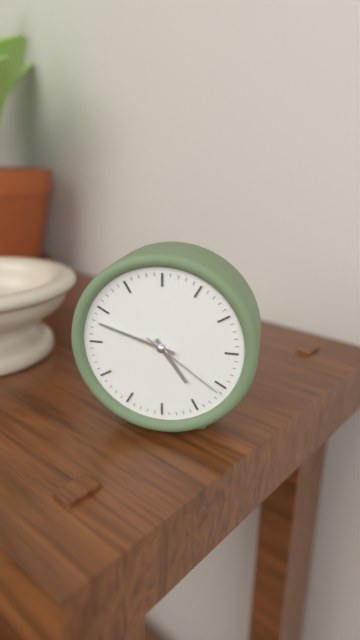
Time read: 4h48m21s
